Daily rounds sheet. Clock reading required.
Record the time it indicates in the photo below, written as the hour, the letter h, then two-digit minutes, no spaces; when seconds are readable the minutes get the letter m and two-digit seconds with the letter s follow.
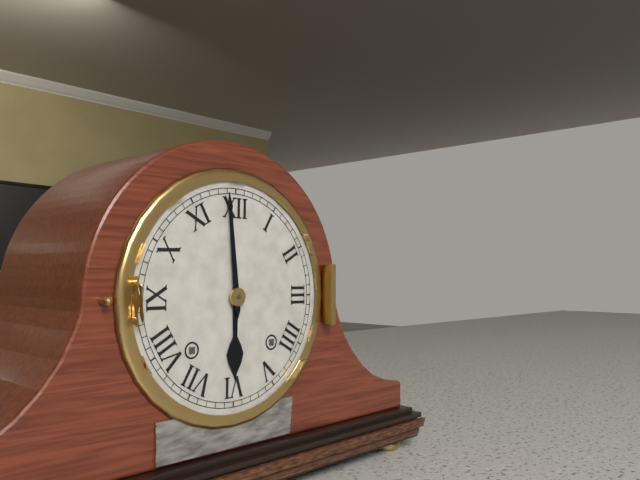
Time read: 5h59
